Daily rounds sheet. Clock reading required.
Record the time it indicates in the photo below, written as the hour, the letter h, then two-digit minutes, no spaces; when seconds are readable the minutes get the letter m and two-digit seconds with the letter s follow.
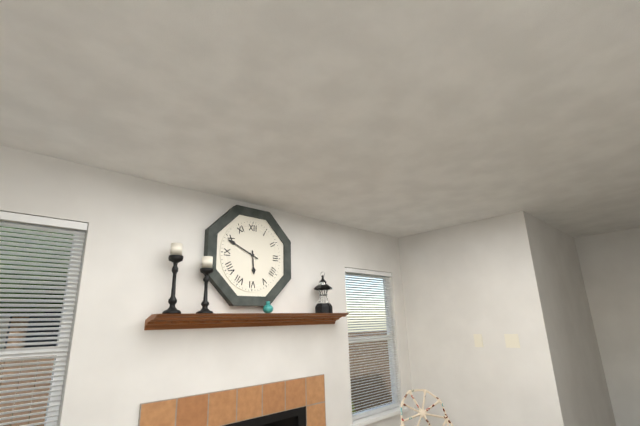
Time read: 5h49
